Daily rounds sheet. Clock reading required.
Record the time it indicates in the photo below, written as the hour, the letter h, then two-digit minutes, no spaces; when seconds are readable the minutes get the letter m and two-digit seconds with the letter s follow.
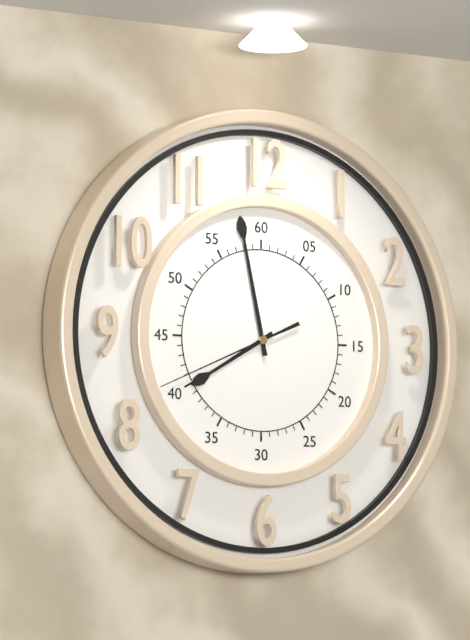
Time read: 7h58m41s
